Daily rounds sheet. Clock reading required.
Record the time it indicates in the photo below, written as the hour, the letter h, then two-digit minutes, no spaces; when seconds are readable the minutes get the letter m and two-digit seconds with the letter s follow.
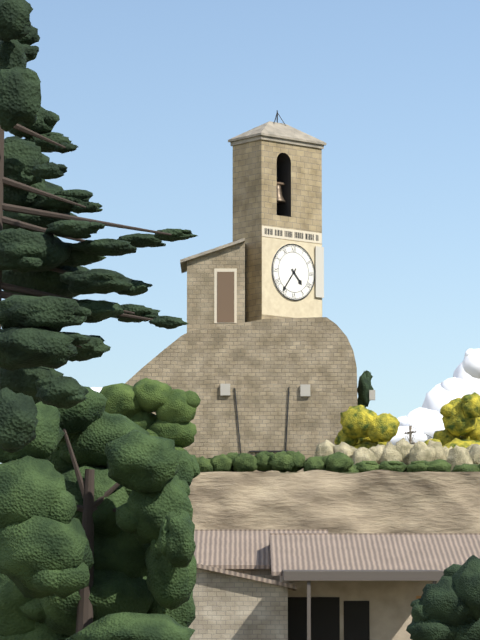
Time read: 4h36
